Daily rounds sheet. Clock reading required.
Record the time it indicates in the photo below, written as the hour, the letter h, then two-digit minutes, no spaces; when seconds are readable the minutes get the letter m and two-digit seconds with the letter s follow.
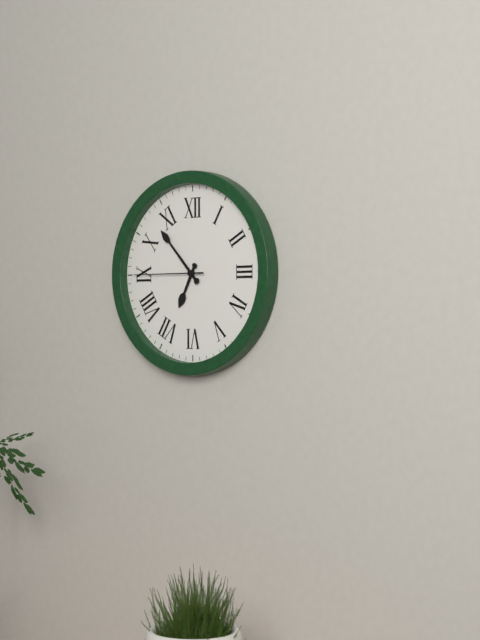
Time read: 6h53m45s
